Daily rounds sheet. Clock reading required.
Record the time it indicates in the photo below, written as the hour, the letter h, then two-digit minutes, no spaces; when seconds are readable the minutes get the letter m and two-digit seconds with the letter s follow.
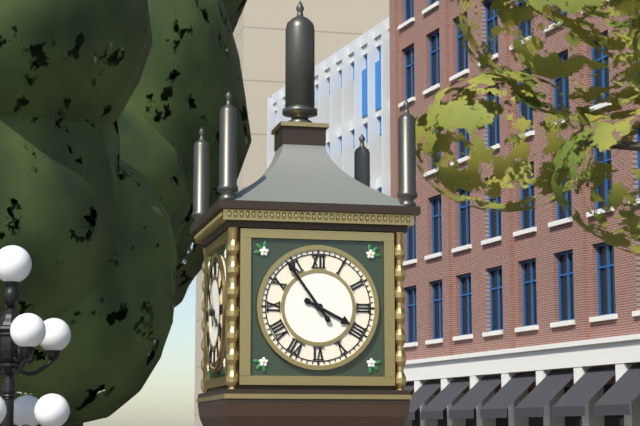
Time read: 3h54
